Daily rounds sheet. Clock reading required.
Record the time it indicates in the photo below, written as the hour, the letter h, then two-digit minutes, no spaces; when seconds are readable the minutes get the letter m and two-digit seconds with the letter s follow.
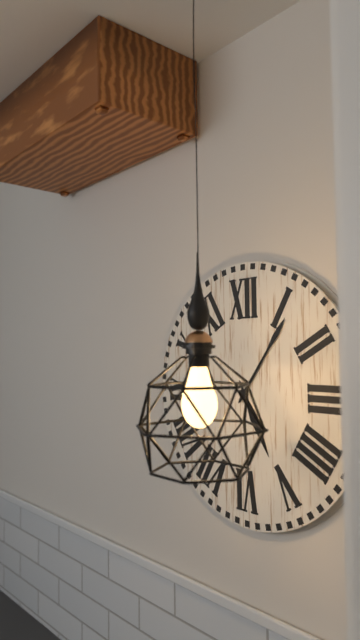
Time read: 5h06
